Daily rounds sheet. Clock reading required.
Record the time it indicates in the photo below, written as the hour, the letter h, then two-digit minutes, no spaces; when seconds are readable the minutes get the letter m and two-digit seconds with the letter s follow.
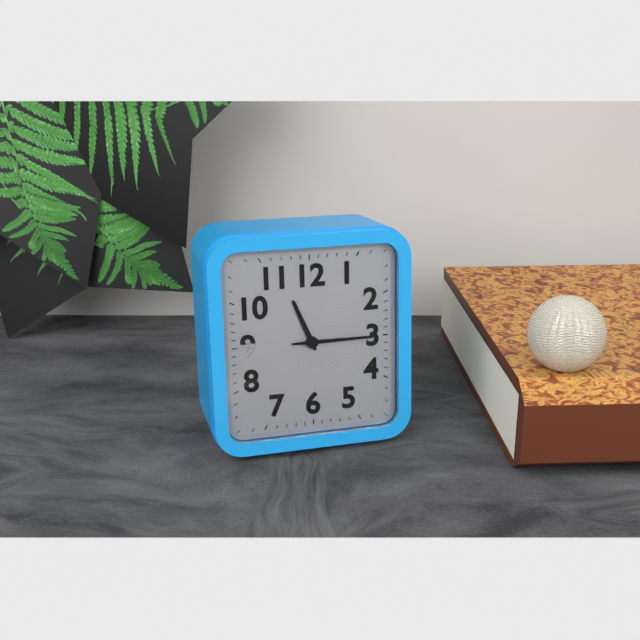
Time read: 11h15
